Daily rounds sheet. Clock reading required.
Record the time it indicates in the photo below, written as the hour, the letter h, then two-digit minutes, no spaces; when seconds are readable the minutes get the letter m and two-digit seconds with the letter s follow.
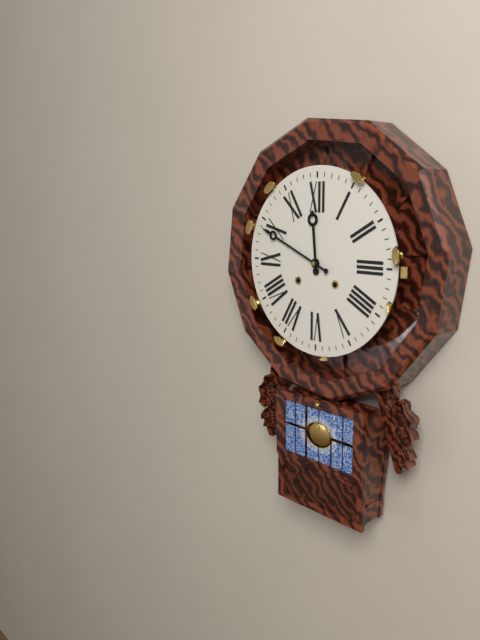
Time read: 11h49
